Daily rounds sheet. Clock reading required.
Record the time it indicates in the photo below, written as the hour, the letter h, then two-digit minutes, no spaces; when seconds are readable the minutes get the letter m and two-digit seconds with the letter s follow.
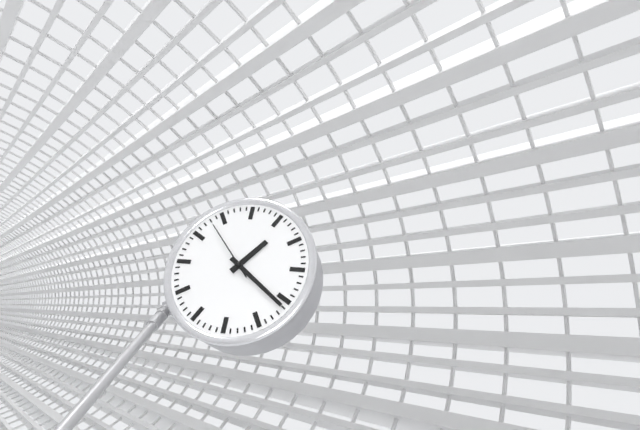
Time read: 1h21m53s
